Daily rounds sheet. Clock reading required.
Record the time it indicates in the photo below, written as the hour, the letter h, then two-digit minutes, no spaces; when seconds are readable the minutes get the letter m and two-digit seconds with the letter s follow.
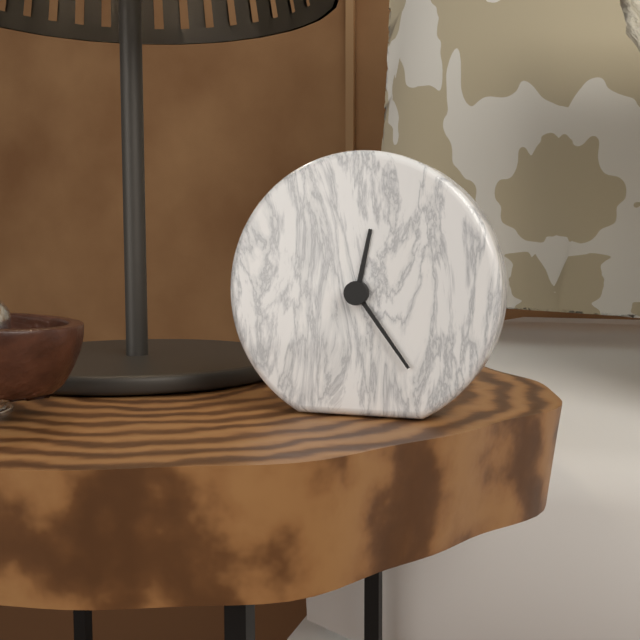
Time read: 12h24
